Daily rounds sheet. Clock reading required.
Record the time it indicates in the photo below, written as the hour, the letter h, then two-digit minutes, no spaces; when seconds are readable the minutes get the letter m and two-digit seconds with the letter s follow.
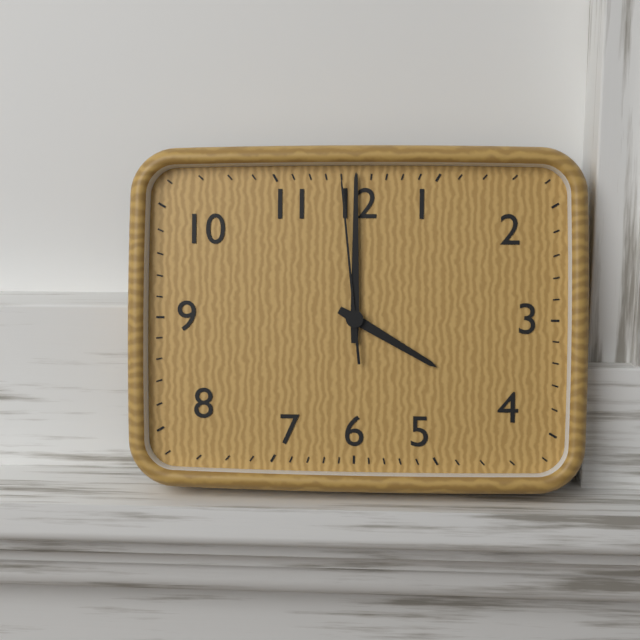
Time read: 4h00m59s
